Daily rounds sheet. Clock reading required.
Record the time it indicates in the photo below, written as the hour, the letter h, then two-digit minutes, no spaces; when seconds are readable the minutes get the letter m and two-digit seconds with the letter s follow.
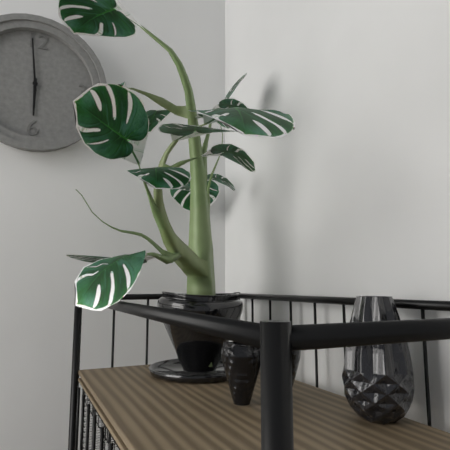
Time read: 5h59
